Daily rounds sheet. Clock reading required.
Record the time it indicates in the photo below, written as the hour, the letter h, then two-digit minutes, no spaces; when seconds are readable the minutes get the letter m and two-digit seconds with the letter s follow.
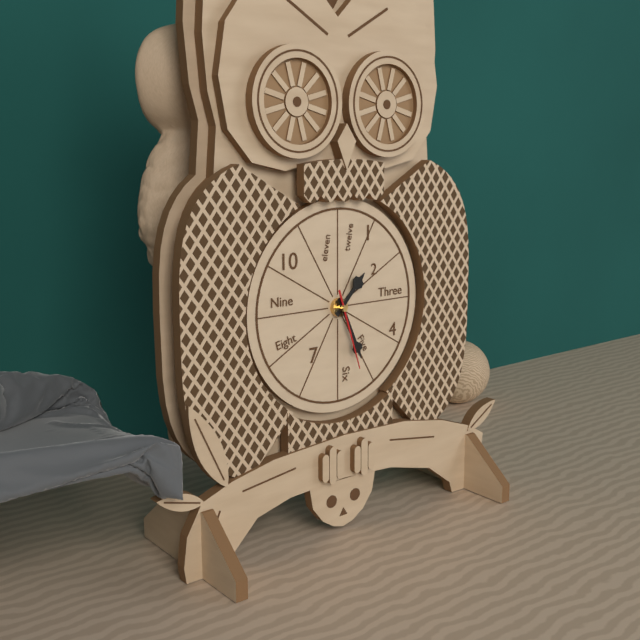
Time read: 1h26m27s
